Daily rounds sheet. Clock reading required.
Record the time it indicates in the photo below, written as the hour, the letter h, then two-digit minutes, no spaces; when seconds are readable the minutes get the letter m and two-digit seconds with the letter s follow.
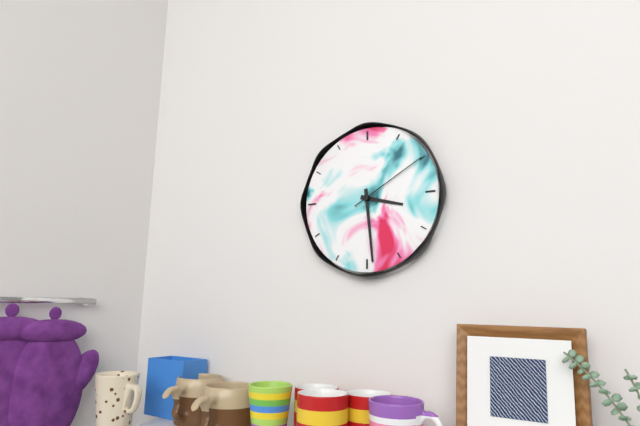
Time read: 3h29m10s
